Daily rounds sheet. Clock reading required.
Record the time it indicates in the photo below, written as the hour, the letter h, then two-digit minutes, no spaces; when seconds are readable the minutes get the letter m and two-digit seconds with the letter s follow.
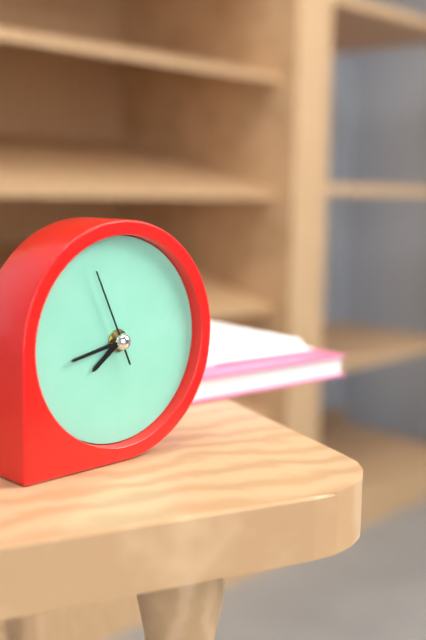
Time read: 7h43m56s
